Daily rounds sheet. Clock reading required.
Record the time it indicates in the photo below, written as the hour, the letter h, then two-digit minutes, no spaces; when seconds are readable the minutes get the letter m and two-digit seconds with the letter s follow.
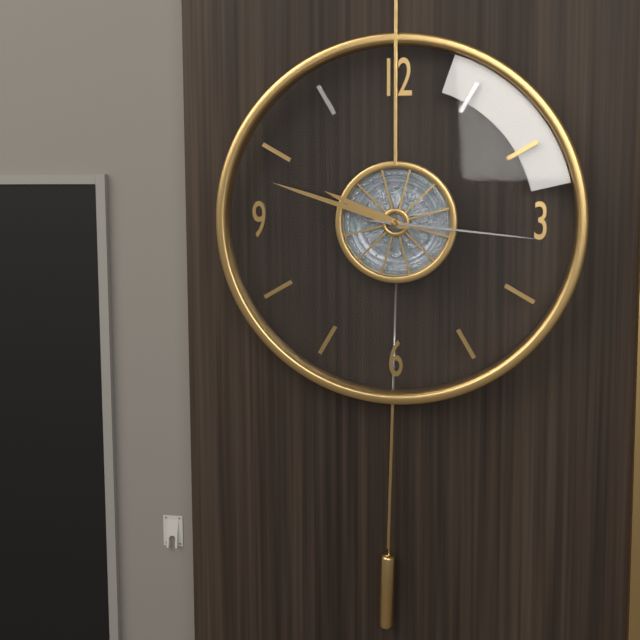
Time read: 9h48m16s
